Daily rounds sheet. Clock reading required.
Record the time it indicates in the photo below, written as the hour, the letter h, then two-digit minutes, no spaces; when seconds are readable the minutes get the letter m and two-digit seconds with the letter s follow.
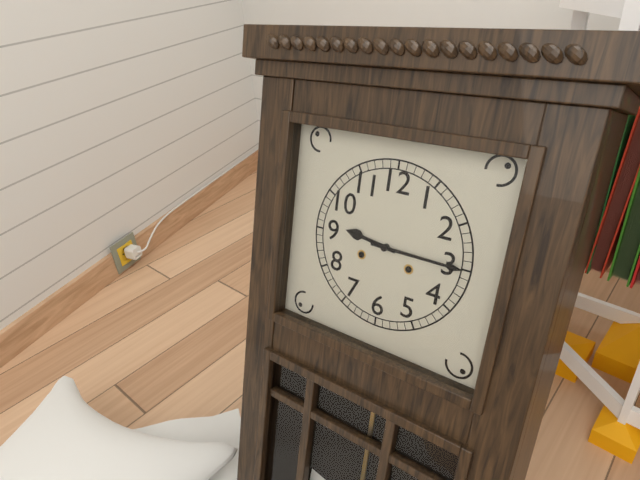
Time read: 9h15
